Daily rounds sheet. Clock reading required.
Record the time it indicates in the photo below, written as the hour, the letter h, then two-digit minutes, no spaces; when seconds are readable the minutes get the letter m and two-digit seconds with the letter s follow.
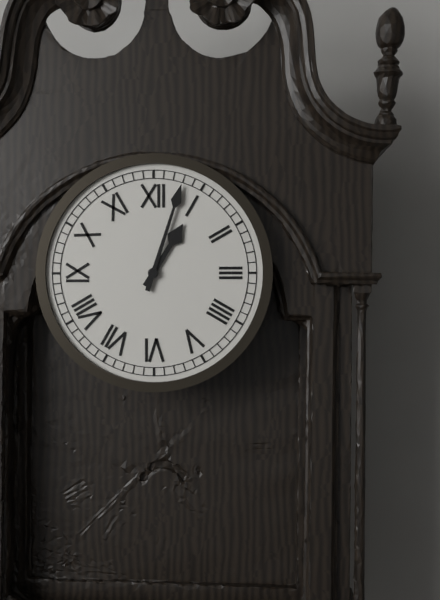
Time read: 1h03
